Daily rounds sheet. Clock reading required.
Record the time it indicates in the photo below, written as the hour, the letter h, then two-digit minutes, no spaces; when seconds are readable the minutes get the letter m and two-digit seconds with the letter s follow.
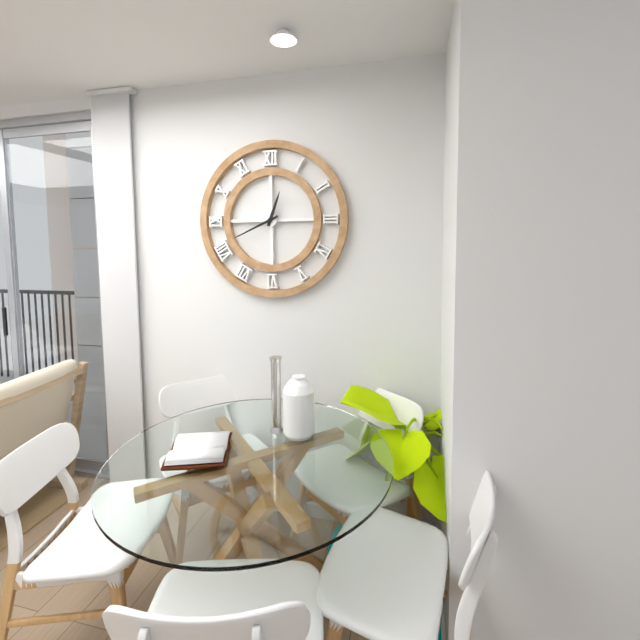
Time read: 12h41
